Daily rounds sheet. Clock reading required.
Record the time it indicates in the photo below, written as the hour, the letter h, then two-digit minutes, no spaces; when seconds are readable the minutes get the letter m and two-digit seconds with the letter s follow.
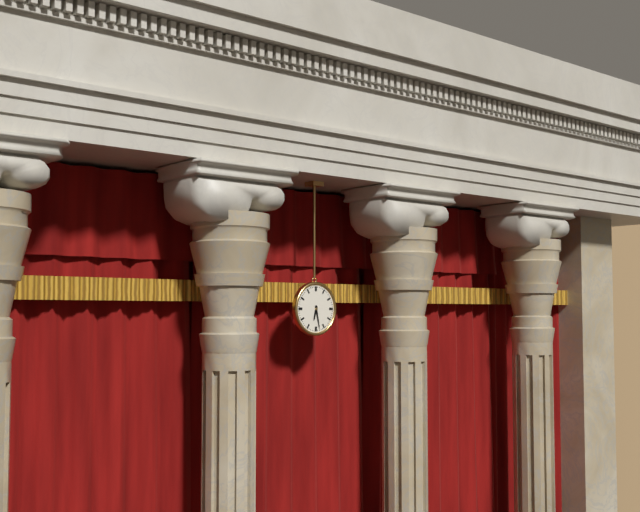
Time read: 6h28
